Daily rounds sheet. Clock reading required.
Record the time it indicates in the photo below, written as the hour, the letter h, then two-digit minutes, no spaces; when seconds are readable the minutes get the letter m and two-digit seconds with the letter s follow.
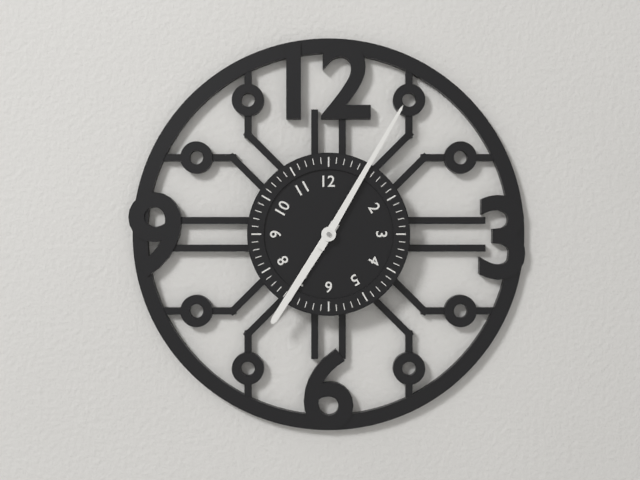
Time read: 7h05
